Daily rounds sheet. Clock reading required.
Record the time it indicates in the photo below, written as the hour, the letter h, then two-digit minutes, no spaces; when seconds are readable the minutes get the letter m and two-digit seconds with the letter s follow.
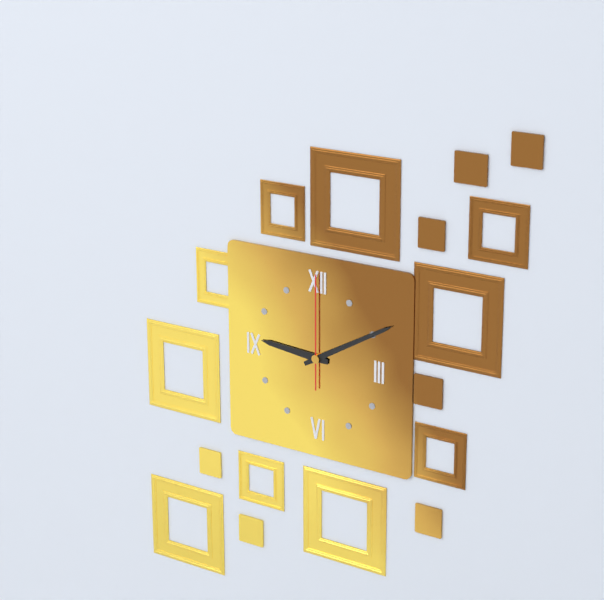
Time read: 9h10m00s
